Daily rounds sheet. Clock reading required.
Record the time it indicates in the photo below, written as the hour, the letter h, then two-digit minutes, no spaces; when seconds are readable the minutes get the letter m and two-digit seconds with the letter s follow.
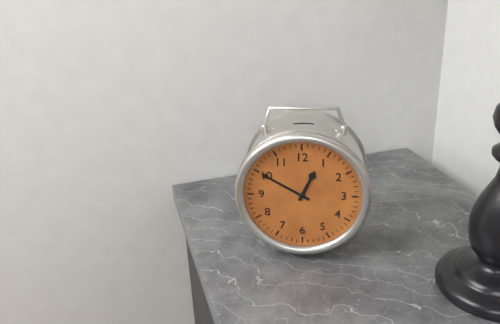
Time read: 12h50
